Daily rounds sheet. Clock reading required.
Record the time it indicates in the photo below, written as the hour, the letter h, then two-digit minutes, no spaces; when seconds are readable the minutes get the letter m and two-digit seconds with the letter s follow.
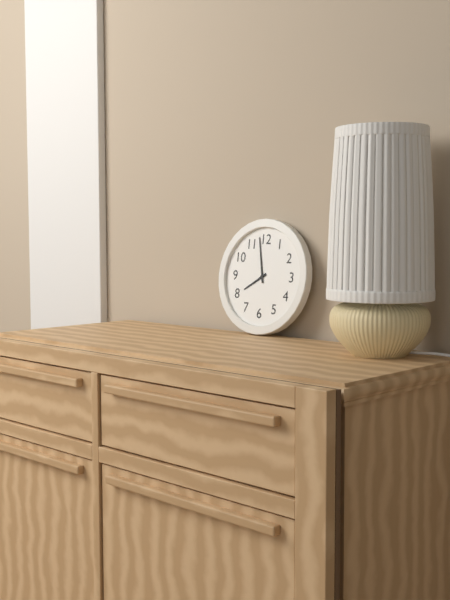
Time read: 7h58
